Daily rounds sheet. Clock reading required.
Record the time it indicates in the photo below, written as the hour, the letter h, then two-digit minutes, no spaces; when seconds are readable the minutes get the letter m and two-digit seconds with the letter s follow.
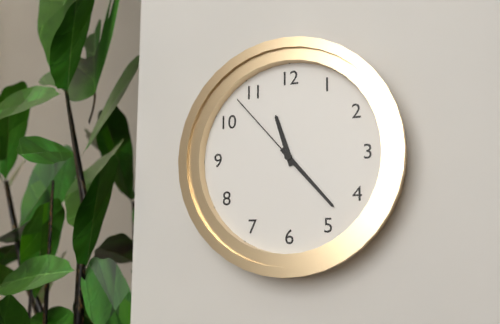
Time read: 11h23m53s
